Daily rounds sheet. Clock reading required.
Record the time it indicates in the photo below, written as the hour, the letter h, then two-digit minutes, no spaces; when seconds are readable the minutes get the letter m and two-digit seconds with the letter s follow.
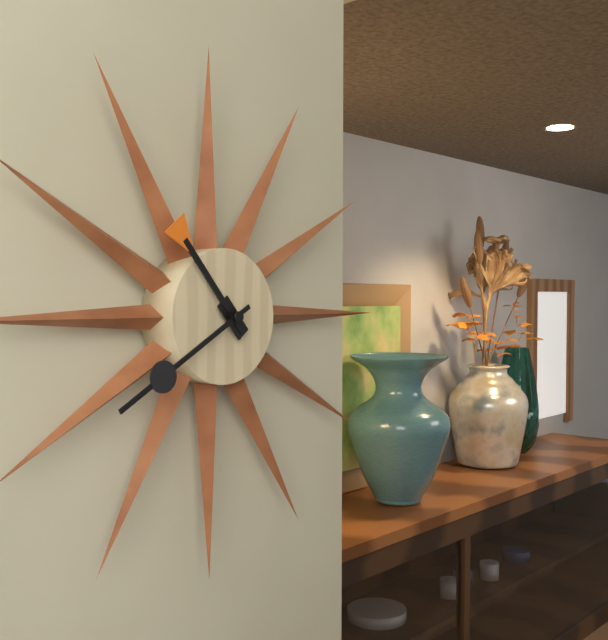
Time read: 10h40
